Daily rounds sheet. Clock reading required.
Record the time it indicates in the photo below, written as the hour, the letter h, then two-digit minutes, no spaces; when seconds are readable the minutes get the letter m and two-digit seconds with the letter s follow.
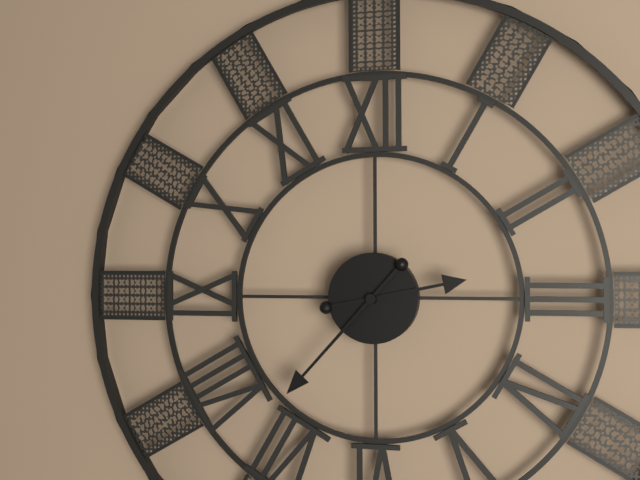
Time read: 2h37
